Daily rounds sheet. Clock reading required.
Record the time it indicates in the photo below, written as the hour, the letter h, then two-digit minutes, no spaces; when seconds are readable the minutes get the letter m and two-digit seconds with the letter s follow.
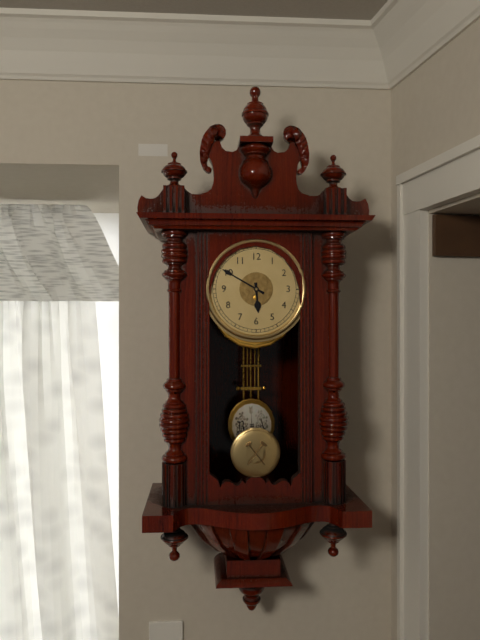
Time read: 5h50
